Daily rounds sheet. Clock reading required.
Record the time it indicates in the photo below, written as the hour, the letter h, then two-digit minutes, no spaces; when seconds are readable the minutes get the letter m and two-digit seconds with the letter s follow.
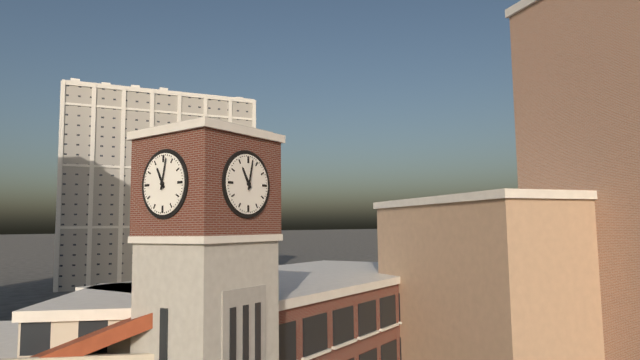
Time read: 11h02
